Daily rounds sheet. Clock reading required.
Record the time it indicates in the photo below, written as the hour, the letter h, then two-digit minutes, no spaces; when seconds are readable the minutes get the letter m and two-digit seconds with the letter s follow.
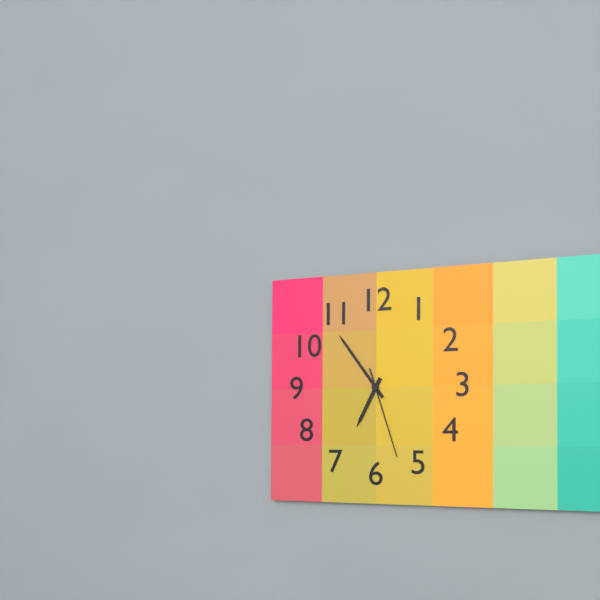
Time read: 6h54m27s
